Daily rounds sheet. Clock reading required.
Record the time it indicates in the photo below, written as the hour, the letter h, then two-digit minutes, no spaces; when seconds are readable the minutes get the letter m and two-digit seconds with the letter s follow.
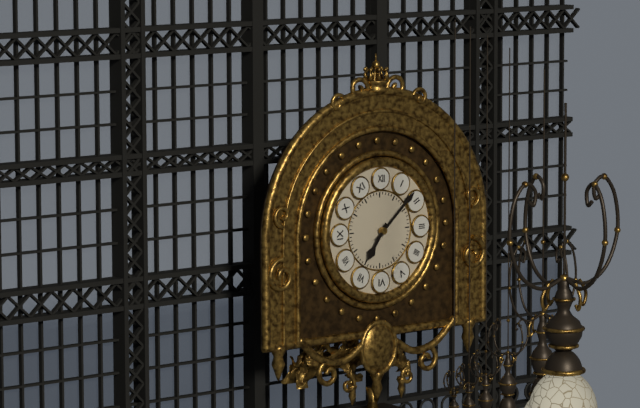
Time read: 7h08
